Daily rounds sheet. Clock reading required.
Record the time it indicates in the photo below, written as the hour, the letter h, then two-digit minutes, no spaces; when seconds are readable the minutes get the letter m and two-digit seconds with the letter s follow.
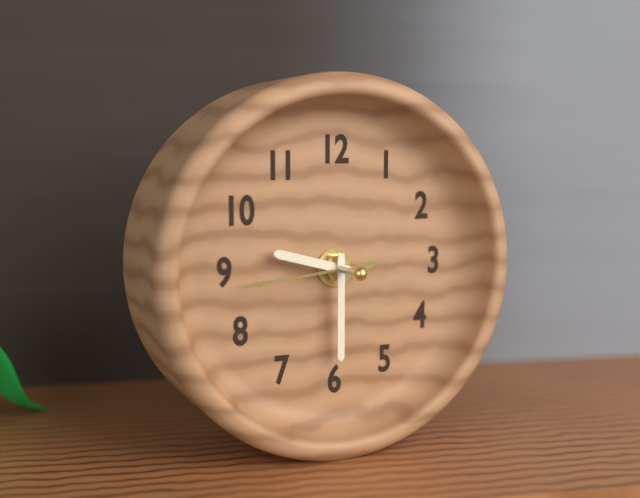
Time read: 9h30m44s
